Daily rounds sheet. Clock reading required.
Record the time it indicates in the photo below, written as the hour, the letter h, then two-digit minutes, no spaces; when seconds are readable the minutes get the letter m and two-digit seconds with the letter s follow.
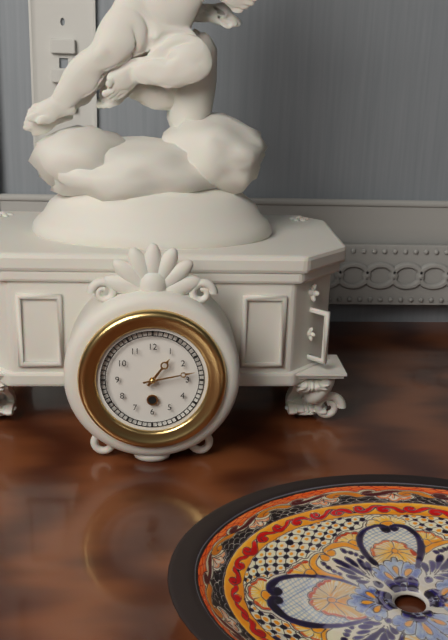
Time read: 1h13
